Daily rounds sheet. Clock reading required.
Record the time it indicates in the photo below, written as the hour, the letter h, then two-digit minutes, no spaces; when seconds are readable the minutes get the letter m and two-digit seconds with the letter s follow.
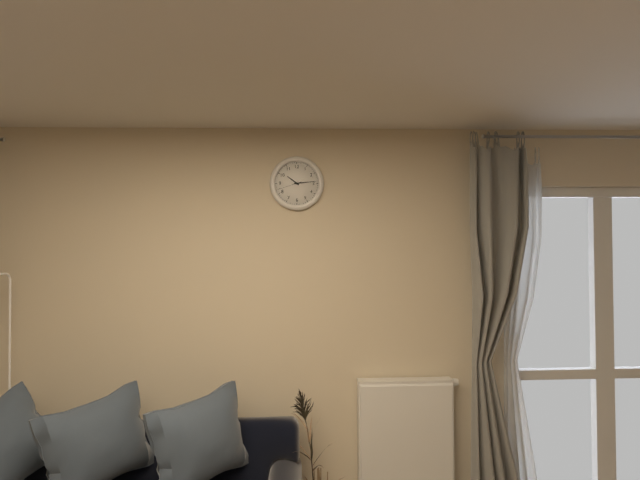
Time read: 10h14
